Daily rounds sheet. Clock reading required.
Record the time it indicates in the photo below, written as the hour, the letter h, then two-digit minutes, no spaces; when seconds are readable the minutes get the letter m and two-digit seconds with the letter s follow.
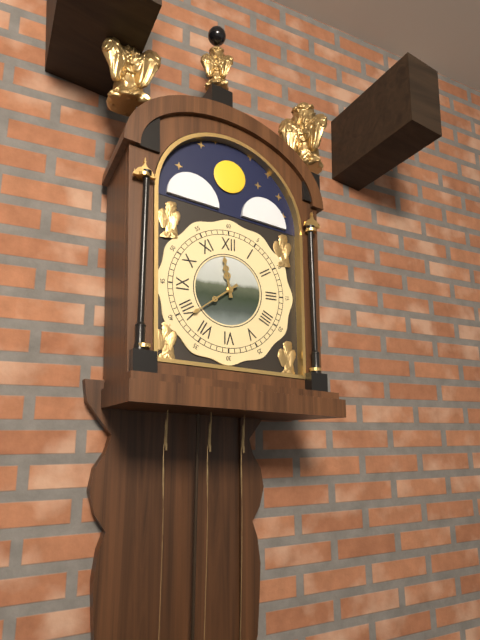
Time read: 11h39
